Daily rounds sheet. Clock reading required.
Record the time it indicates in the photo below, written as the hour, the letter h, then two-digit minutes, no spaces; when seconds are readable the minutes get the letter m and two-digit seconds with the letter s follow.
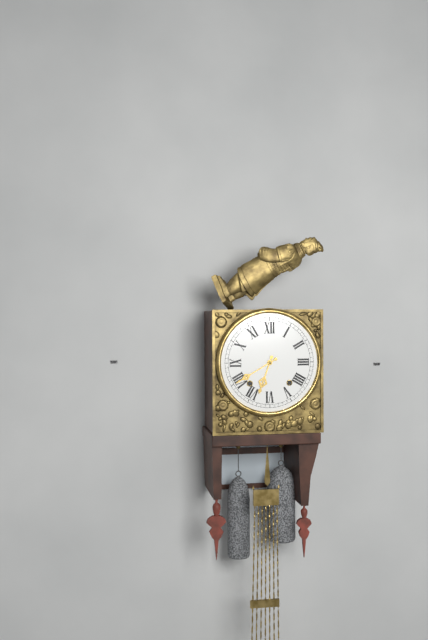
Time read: 6h40
